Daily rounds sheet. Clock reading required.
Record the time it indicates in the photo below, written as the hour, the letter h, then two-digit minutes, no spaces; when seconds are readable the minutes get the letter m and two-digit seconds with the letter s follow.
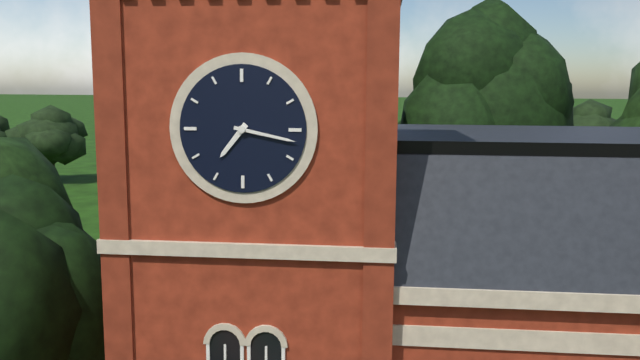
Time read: 7h17
